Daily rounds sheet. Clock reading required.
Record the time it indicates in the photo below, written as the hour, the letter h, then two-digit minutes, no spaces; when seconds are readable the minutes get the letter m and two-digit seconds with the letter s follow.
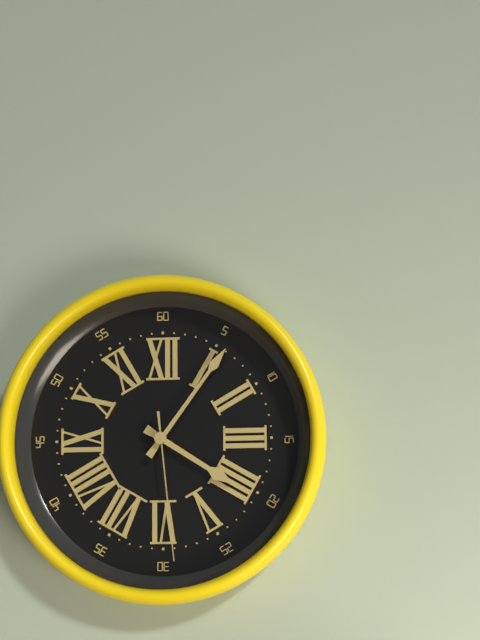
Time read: 4h06m29s
